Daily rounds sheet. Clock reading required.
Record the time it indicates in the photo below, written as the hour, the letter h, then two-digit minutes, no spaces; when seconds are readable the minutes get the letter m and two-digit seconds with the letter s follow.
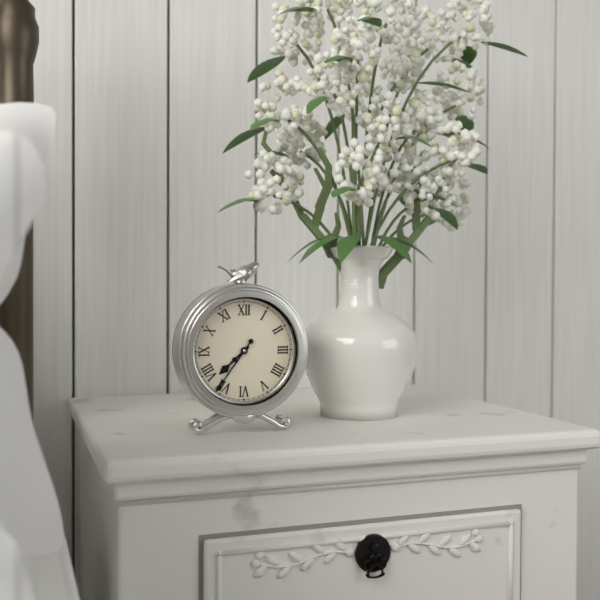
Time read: 7h36
